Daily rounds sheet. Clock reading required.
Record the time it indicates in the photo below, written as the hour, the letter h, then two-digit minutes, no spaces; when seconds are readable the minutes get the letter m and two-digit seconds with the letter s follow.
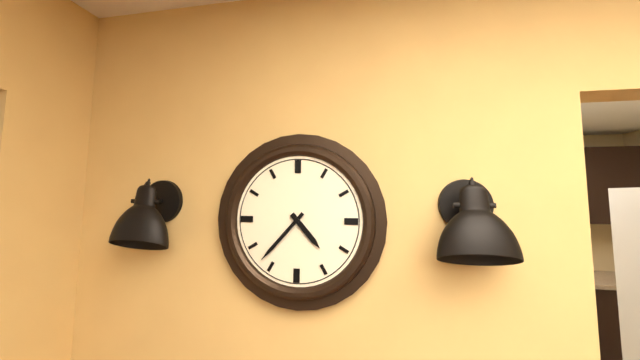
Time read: 4h37
